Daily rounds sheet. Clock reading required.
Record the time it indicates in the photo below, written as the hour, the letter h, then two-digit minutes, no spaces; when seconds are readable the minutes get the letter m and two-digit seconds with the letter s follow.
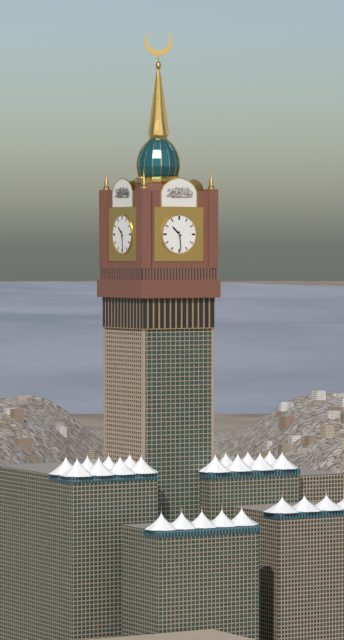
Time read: 10h29
